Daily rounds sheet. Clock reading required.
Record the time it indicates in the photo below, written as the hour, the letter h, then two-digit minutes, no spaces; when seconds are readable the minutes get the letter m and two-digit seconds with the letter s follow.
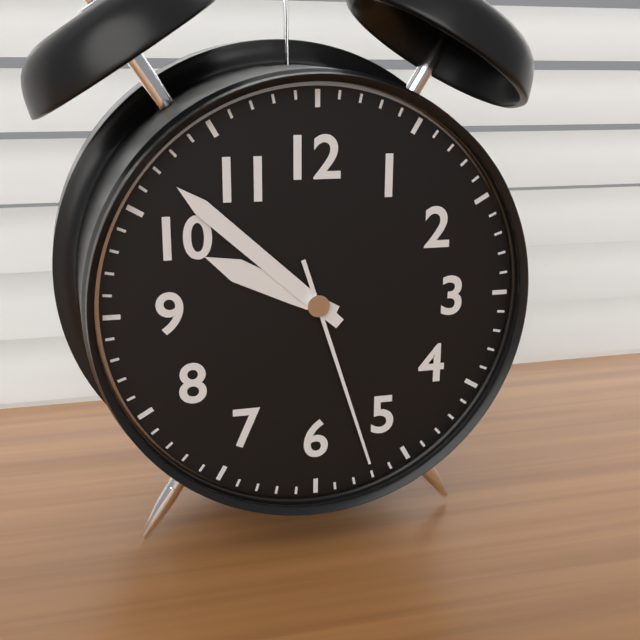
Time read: 9h52m27s
